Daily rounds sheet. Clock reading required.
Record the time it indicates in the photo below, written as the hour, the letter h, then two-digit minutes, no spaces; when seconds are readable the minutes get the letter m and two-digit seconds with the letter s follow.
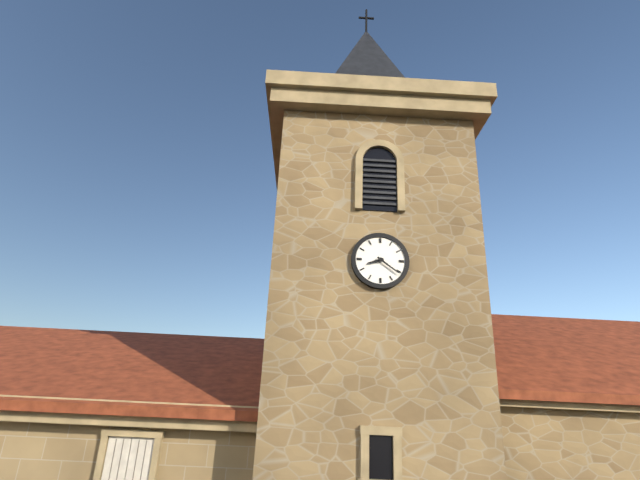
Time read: 8h21
